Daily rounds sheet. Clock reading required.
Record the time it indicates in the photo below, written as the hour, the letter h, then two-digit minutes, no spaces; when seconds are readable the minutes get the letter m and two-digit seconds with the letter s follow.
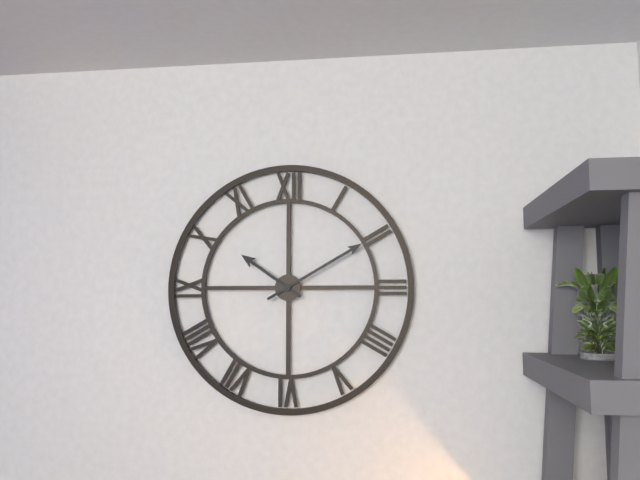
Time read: 10h10
